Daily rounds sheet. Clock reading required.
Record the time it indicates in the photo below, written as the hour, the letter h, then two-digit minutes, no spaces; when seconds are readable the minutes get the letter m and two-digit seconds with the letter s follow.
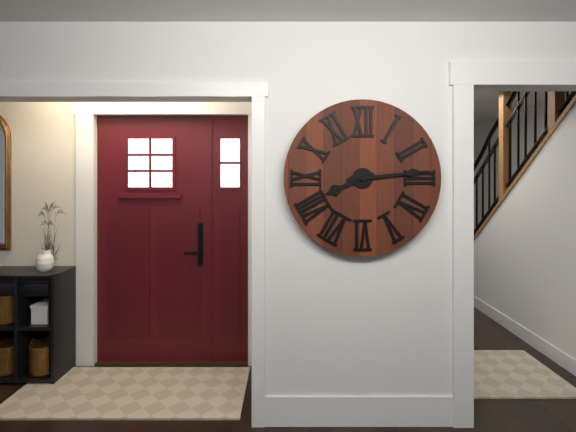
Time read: 8h14
